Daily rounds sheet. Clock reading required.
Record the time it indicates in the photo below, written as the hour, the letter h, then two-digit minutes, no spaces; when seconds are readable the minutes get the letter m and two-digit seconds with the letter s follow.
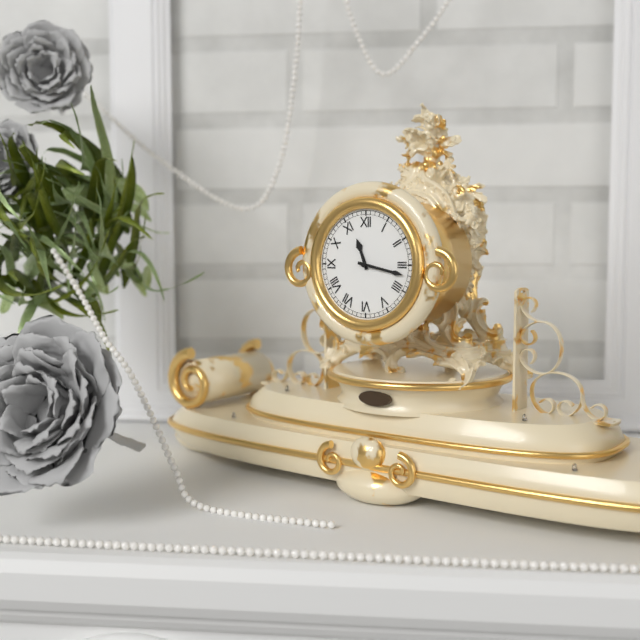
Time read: 11h17
